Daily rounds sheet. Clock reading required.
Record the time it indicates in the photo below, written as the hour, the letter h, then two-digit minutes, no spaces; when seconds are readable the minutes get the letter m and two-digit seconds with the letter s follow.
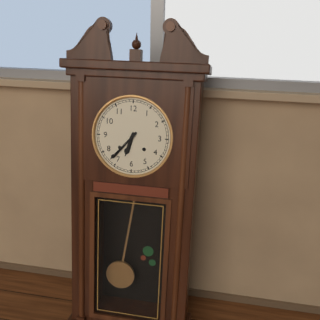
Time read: 6h37
